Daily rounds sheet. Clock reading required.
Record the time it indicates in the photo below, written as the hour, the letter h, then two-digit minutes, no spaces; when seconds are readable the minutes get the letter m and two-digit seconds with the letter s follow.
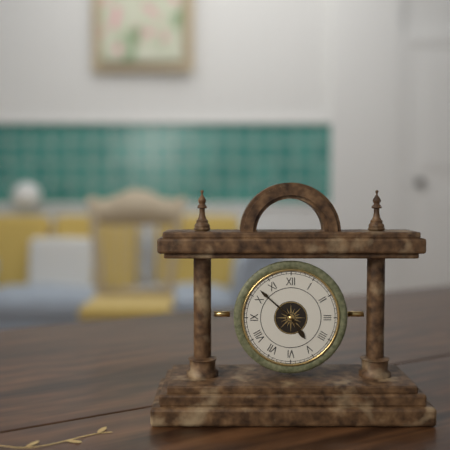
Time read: 4h52
